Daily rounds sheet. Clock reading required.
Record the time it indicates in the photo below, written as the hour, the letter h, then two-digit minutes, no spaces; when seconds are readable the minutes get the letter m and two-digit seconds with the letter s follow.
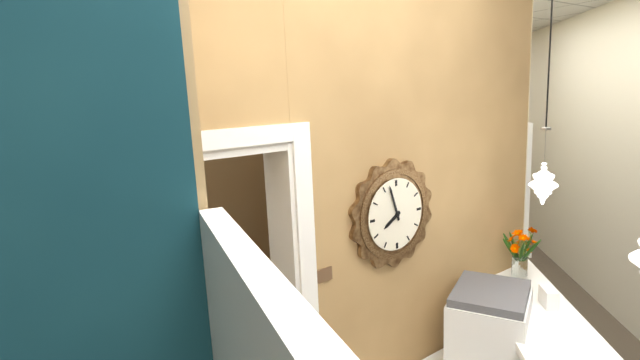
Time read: 7h57
